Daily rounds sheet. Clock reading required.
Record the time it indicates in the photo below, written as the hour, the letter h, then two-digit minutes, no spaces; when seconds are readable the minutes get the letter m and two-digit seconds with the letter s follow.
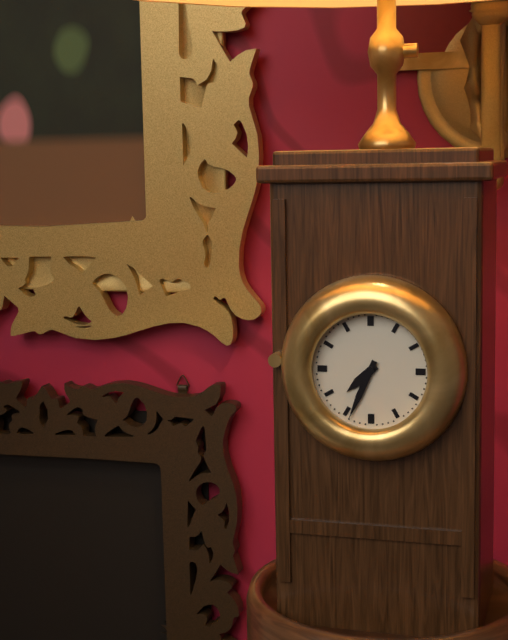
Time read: 7h34
